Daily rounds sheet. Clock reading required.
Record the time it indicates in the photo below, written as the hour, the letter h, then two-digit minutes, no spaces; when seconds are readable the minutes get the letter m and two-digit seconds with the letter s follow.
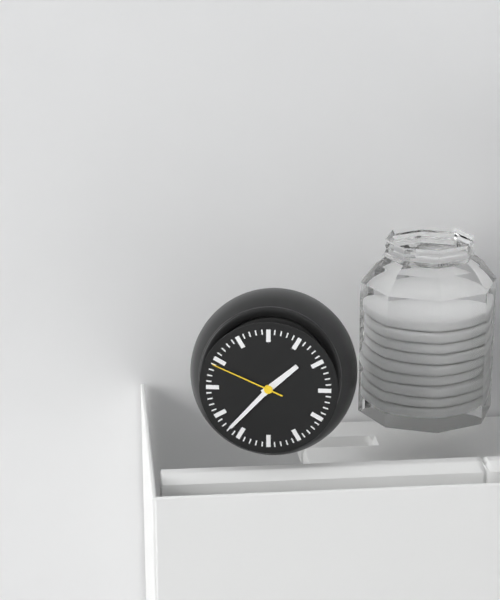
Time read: 1h37m49s
